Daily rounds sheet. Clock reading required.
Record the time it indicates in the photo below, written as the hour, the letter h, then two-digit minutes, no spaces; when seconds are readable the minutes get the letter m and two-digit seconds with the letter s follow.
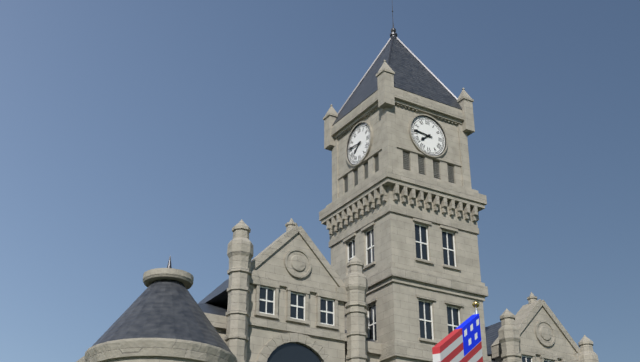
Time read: 7h46
